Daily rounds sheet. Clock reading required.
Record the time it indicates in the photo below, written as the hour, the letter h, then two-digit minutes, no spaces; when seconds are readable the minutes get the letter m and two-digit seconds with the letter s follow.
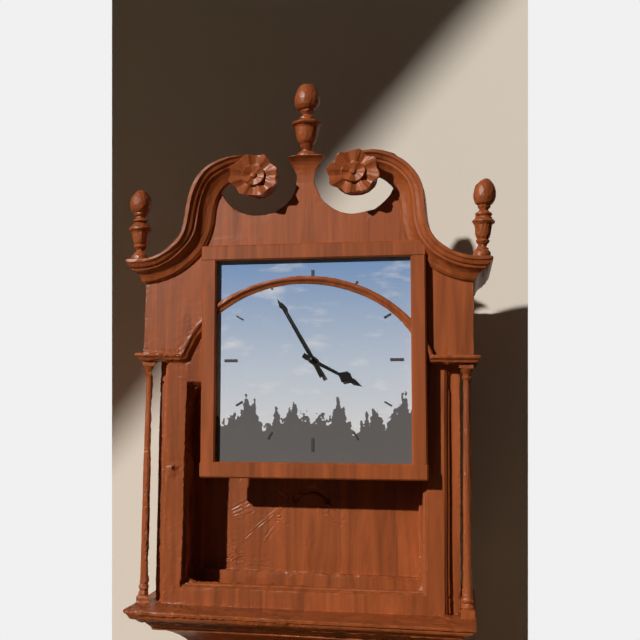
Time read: 3h55
